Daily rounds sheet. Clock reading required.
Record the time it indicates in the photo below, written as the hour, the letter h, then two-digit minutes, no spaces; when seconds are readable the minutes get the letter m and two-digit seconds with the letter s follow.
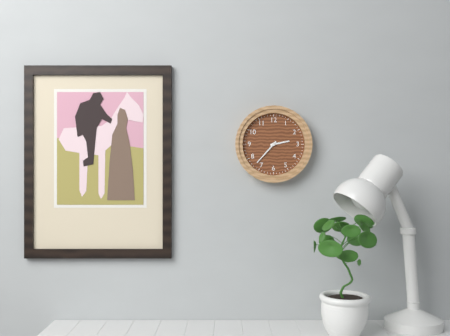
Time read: 2h37
